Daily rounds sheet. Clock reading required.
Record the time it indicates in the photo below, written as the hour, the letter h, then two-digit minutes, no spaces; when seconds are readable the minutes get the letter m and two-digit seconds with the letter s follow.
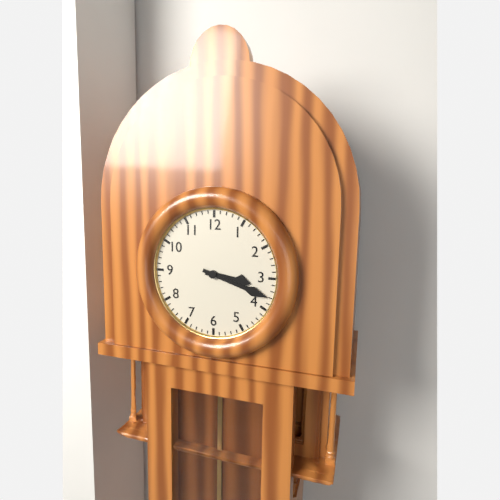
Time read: 3h18
